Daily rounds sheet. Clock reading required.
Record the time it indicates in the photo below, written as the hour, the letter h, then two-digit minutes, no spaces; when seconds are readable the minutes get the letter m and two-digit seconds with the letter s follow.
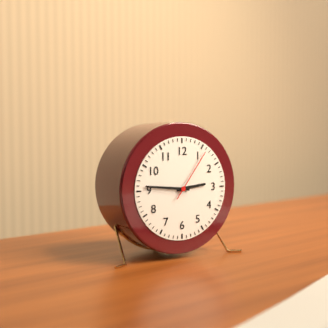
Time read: 2h46m06s
